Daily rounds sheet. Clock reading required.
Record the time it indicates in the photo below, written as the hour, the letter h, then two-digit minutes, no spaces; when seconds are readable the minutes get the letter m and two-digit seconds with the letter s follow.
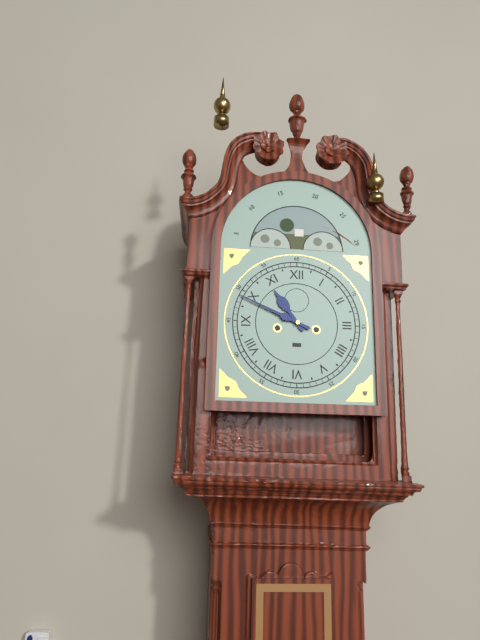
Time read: 10h49
